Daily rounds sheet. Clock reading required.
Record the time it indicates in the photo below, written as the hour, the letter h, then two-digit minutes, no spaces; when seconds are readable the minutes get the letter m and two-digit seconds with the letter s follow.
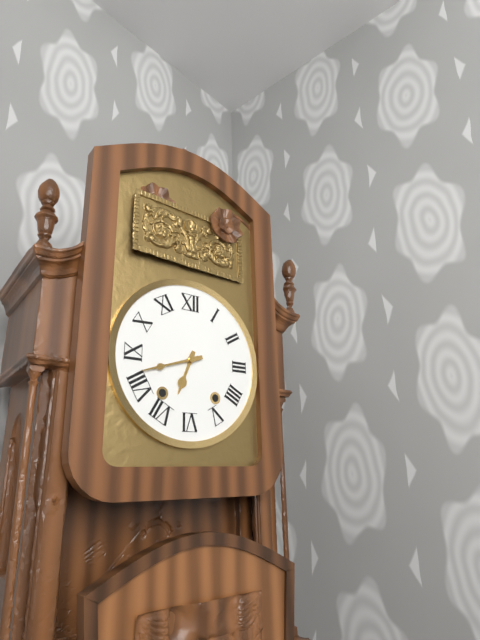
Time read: 6h42
